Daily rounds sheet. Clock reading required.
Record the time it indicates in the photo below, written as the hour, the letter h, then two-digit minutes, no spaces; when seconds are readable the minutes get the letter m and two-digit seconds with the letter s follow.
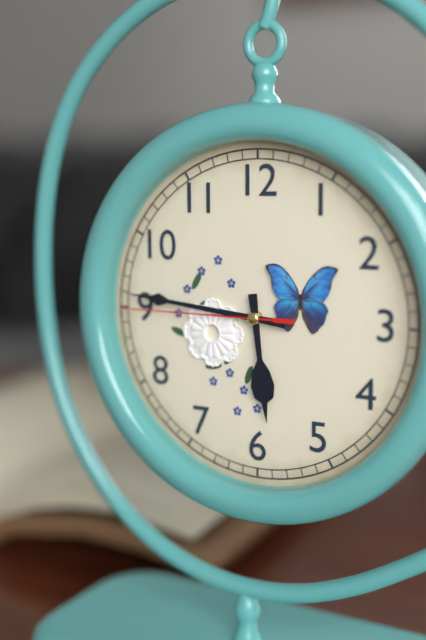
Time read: 5h46m45s
